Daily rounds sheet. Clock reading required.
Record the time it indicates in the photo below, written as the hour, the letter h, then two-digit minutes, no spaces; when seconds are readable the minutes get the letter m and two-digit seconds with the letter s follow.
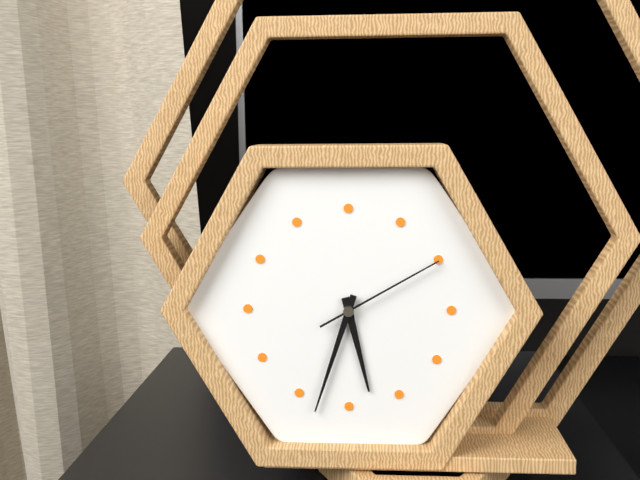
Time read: 5h33m10s
